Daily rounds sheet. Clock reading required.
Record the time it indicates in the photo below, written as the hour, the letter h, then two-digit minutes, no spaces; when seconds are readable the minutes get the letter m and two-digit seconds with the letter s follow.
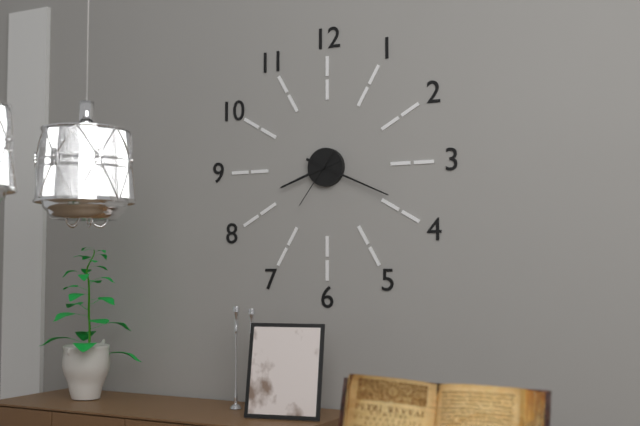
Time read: 8h19m36s
